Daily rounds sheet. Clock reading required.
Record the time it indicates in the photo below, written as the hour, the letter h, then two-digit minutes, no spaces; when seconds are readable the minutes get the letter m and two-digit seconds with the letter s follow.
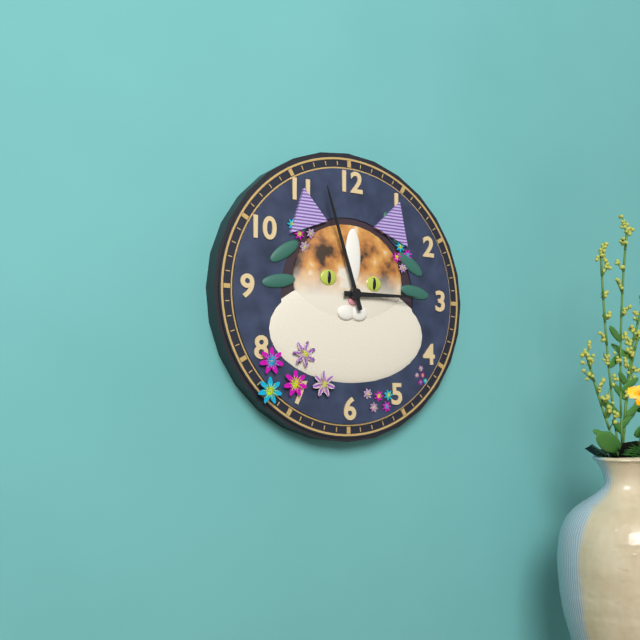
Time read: 2h57
